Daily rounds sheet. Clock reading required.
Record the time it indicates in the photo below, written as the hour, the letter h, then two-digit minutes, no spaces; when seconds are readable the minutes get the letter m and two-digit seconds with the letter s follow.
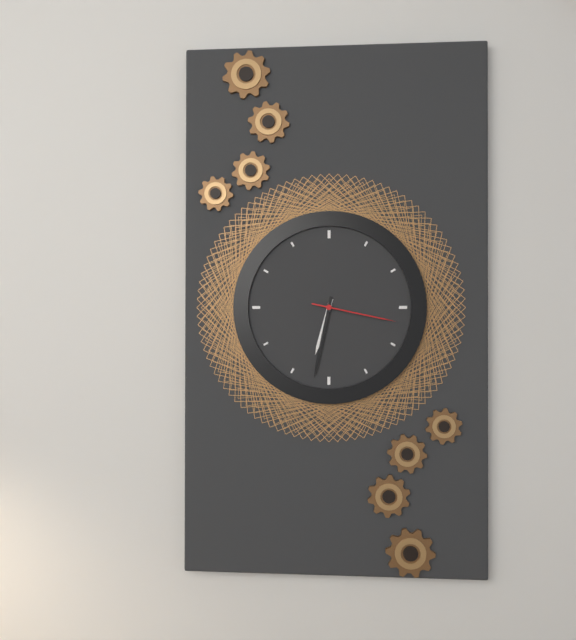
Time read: 6h32m17s
